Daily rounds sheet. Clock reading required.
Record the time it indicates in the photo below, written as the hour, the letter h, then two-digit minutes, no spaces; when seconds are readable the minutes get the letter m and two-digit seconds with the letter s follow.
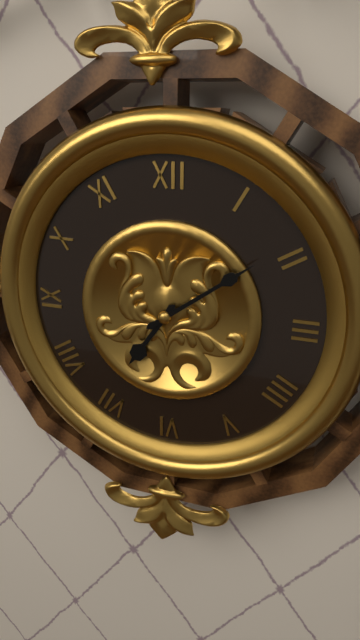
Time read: 7h09
